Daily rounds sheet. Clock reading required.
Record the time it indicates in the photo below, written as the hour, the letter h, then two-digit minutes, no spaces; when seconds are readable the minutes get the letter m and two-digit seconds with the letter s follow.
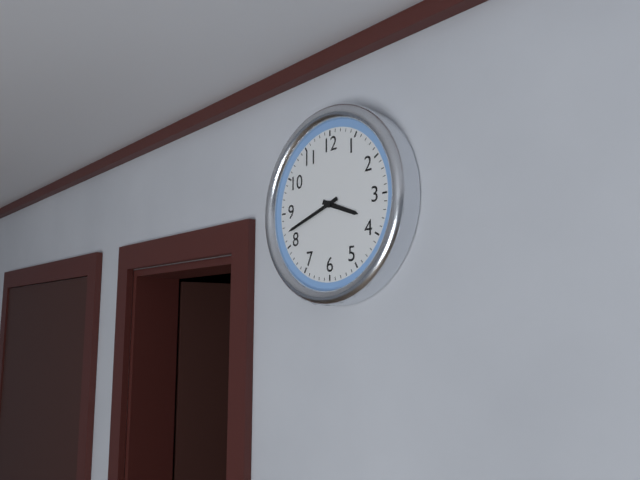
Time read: 3h42
